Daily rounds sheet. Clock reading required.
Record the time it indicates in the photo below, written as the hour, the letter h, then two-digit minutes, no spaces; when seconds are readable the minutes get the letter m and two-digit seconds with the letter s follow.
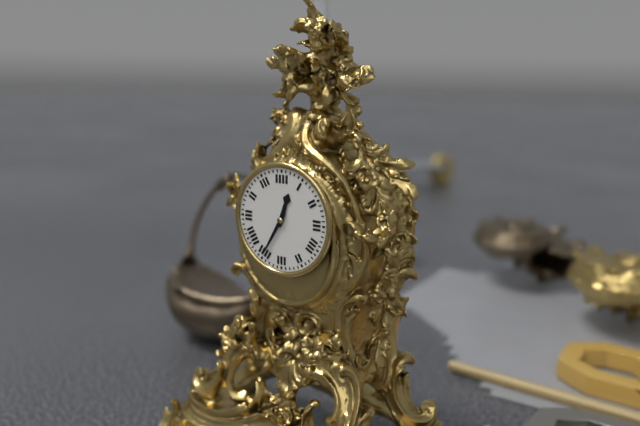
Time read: 12h35
